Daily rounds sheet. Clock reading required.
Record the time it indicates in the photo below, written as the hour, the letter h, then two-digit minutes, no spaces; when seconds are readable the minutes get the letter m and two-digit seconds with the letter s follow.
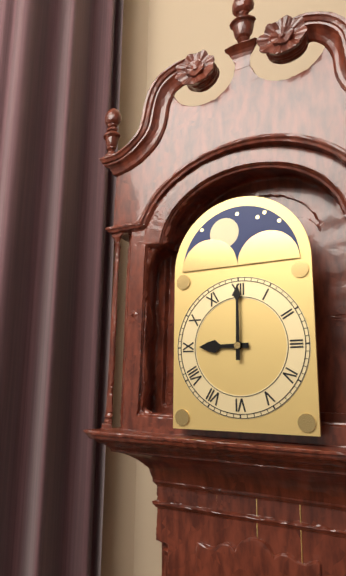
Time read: 9h00
